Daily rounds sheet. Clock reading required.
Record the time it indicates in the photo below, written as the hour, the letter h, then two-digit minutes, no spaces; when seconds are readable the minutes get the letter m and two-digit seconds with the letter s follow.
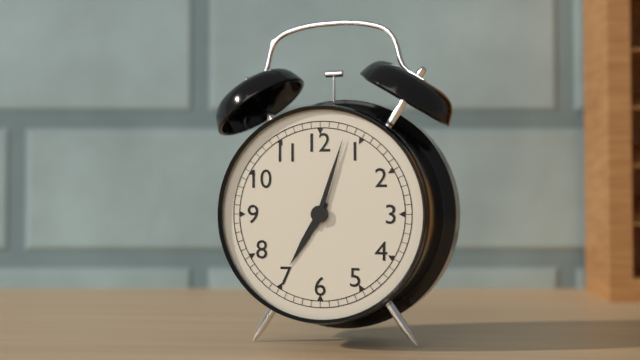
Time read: 7h03
